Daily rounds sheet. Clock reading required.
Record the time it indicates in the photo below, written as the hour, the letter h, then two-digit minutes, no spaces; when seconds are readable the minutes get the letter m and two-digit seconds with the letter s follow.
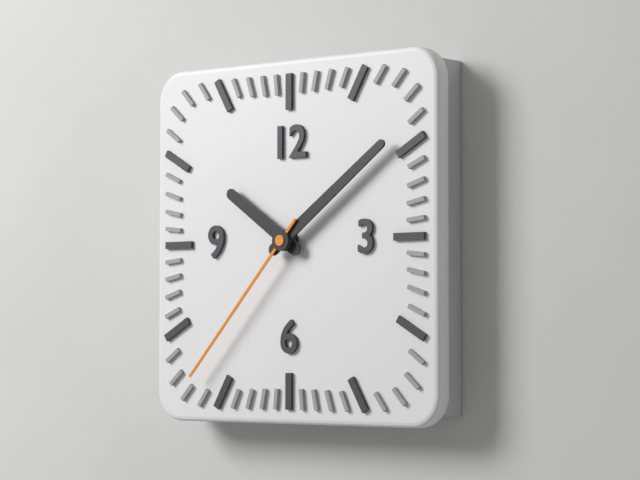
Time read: 10h09m37s
